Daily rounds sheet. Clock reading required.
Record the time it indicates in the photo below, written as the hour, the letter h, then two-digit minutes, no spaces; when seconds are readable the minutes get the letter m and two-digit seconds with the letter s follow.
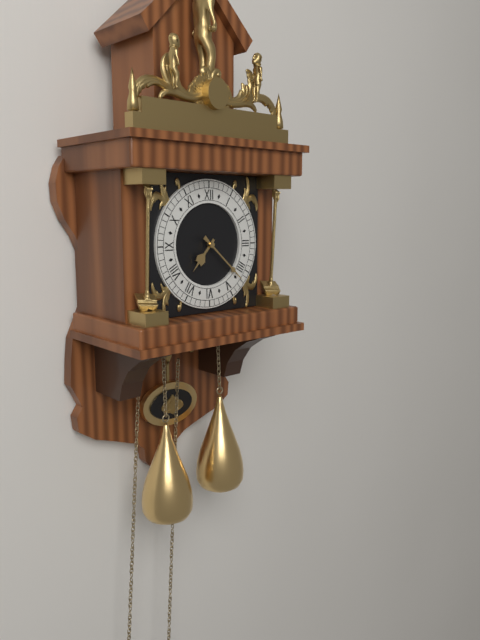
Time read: 7h22
